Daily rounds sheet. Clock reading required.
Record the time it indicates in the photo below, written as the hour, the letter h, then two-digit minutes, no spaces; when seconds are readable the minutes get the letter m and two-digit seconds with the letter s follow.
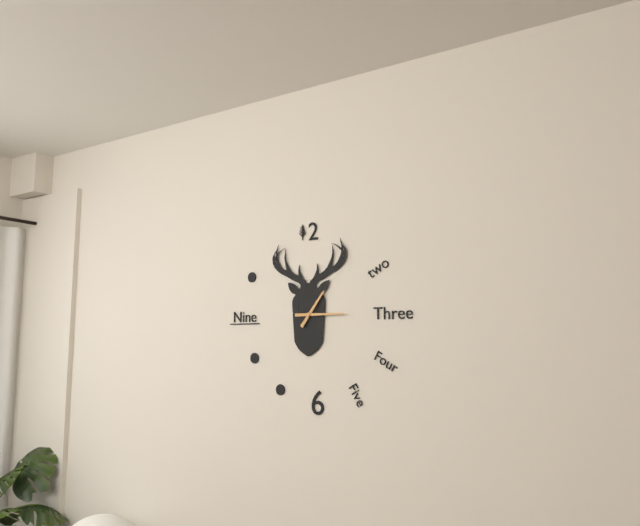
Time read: 1h15
